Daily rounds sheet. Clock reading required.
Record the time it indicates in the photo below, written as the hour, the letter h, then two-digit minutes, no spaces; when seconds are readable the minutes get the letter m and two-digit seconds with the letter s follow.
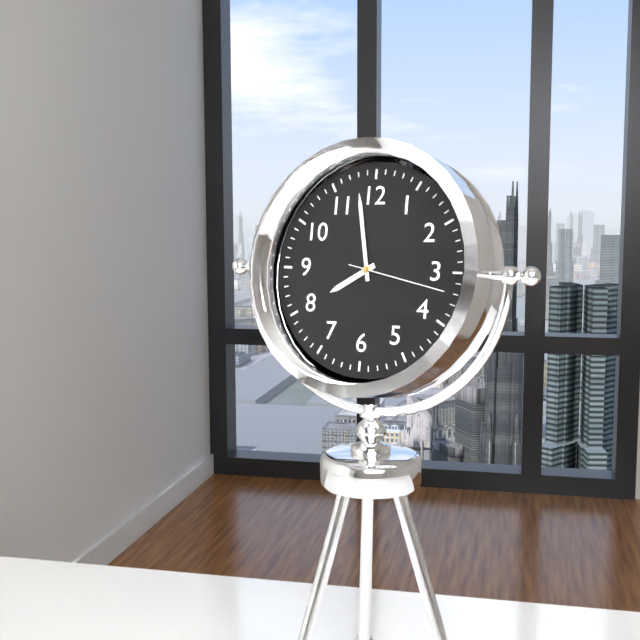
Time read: 7h58m17s
